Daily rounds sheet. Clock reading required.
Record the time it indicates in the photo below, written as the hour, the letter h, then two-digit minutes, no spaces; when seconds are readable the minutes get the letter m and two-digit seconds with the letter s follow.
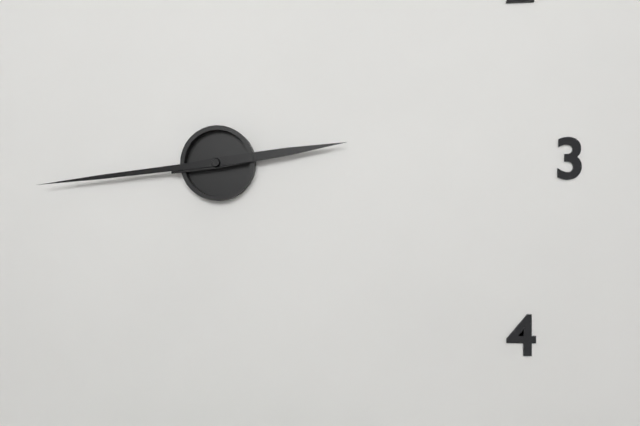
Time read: 2h44
